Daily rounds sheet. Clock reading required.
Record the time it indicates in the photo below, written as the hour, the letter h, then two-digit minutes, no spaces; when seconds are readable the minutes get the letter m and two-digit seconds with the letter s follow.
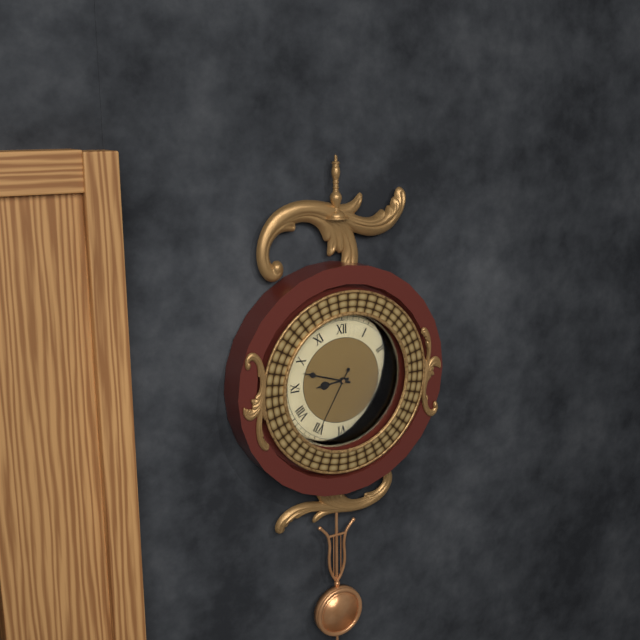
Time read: 8h48m35s
